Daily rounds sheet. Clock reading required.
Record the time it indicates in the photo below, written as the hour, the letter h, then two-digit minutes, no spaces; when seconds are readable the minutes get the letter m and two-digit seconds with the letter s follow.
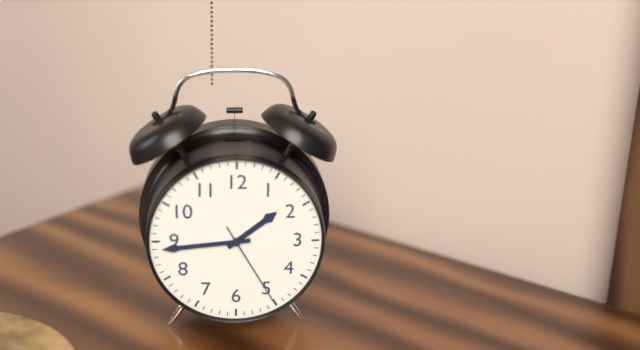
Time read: 1h44m25s
